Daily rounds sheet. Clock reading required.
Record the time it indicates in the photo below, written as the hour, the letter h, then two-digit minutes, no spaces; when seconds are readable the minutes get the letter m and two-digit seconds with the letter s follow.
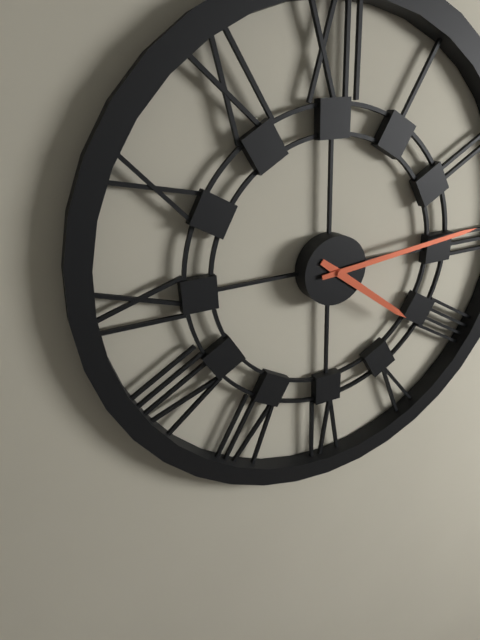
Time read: 4h14
